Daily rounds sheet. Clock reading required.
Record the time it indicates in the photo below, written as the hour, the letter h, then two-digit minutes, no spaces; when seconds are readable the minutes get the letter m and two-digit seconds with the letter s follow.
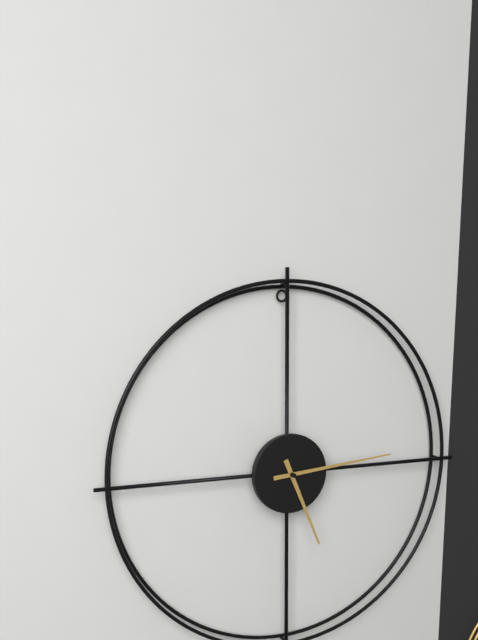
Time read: 5h14
